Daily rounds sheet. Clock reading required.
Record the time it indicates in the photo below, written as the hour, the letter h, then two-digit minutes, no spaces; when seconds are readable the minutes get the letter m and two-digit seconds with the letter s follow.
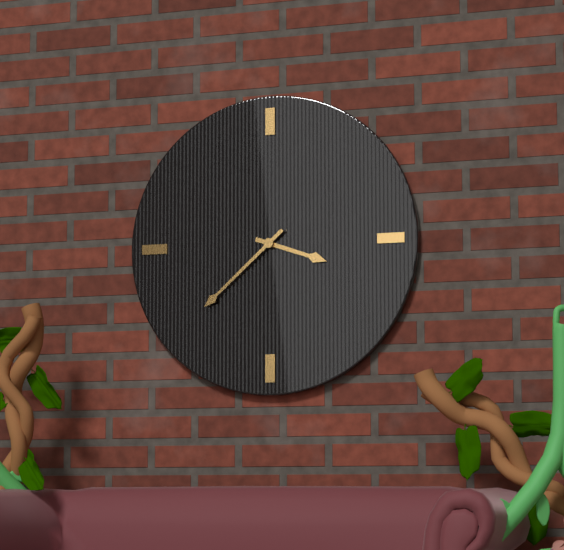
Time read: 3h38
